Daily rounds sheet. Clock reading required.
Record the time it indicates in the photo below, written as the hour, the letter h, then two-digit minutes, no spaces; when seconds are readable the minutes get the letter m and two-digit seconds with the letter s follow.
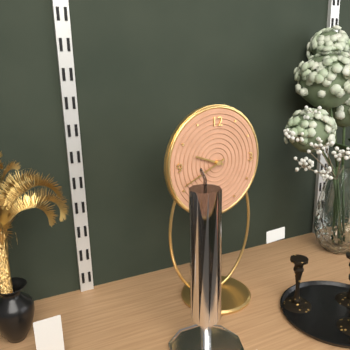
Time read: 9h41
